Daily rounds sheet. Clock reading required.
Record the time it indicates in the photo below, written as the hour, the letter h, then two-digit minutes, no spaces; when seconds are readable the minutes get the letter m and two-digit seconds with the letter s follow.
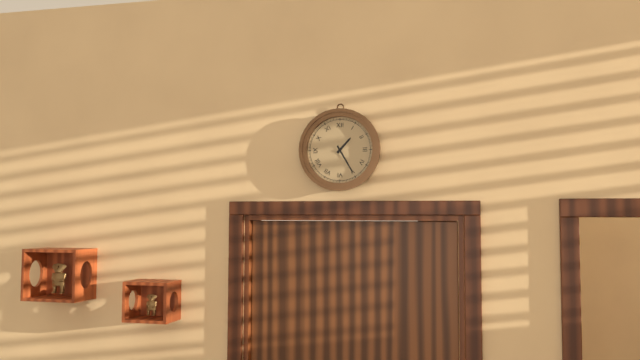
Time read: 1h25
